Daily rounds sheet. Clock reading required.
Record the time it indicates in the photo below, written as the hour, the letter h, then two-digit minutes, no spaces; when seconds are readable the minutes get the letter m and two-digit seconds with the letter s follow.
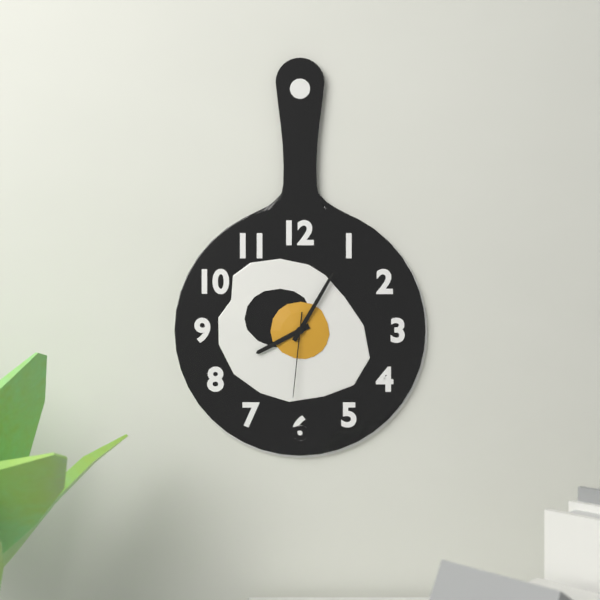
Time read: 8h05m31s
